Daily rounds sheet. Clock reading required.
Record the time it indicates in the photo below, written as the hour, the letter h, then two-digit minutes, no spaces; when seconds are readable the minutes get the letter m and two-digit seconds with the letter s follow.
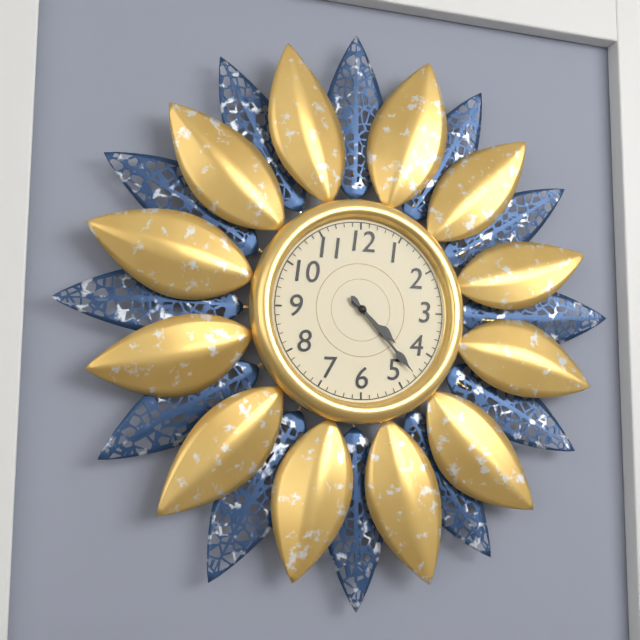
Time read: 4h23
